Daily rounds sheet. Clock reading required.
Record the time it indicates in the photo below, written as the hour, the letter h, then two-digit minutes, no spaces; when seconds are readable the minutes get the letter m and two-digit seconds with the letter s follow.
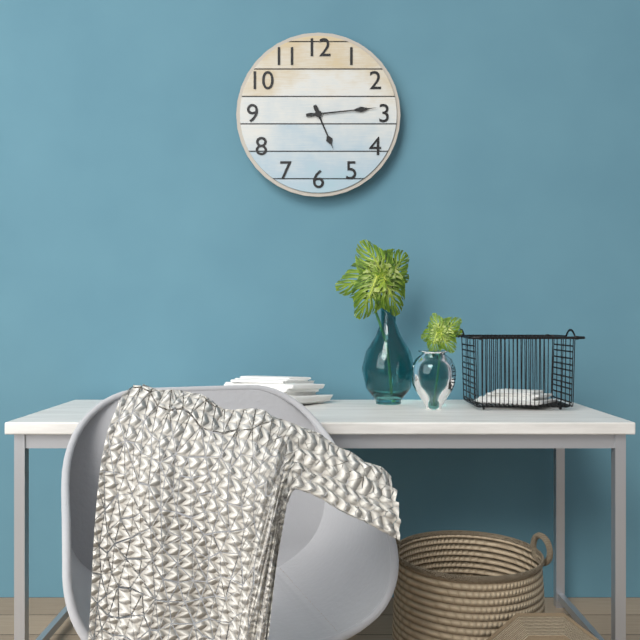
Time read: 5h14
